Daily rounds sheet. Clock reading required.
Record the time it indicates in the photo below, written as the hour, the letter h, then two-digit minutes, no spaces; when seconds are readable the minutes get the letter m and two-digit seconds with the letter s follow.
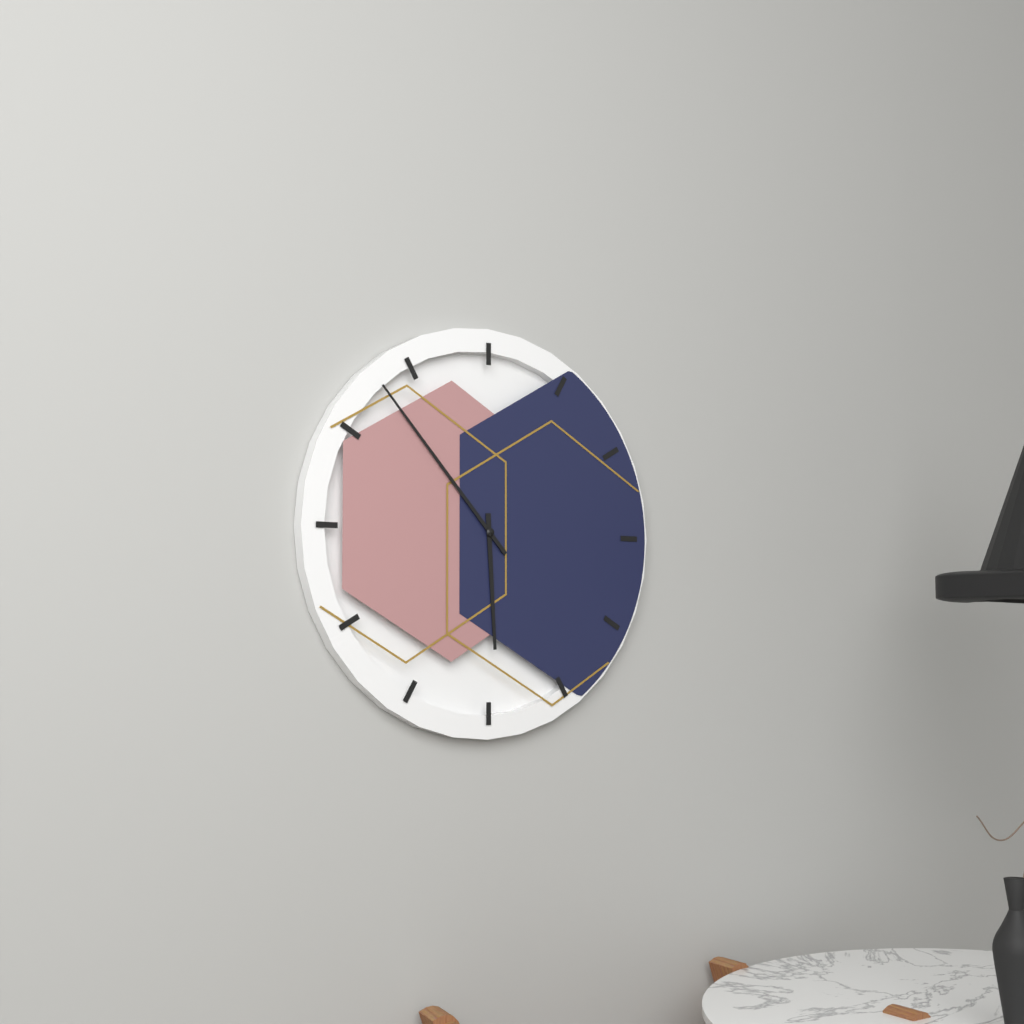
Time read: 5h53
